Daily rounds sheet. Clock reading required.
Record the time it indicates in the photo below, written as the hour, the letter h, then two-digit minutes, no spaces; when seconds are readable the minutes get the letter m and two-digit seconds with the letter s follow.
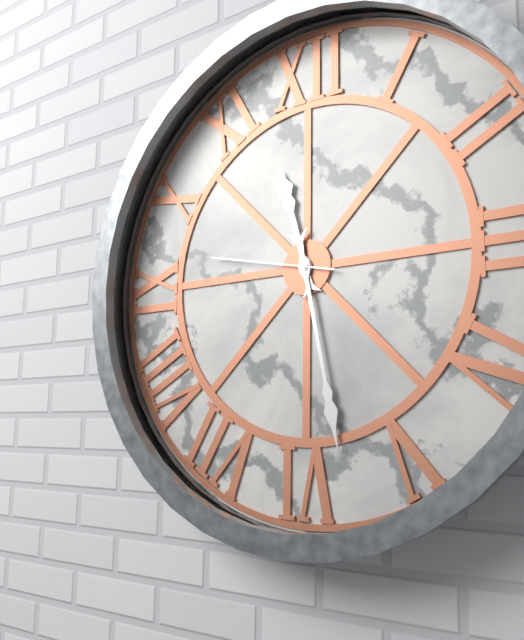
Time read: 11h28m47s
